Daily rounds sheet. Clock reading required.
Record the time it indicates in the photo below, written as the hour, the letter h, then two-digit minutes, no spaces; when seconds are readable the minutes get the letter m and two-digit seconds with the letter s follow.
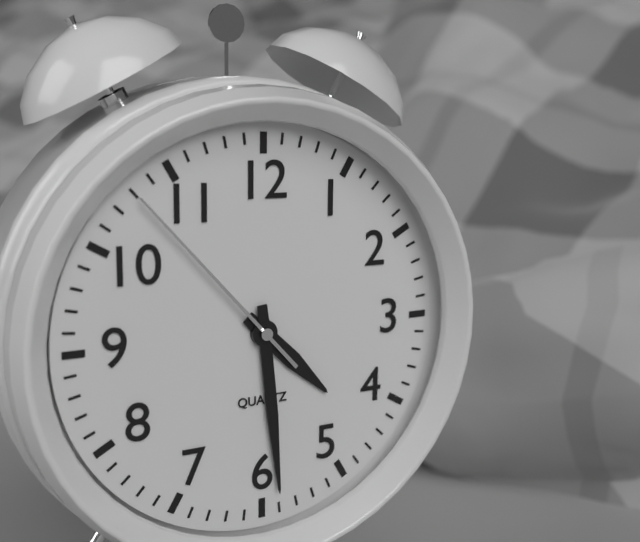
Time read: 4h29m53s
